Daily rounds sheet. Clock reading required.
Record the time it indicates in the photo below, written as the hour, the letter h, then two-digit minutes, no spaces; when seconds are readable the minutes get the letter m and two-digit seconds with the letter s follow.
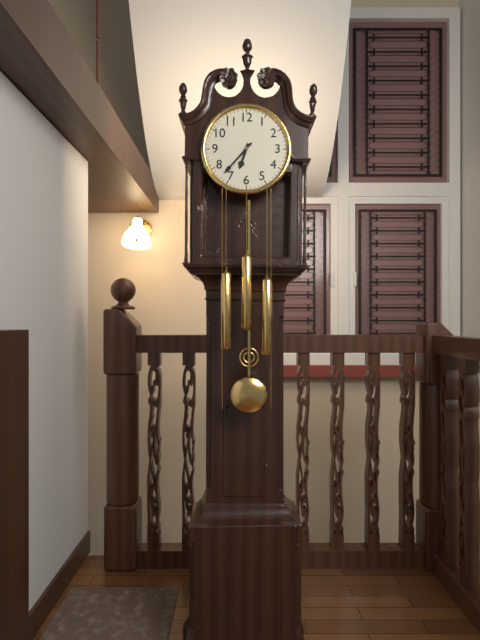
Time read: 6h37
